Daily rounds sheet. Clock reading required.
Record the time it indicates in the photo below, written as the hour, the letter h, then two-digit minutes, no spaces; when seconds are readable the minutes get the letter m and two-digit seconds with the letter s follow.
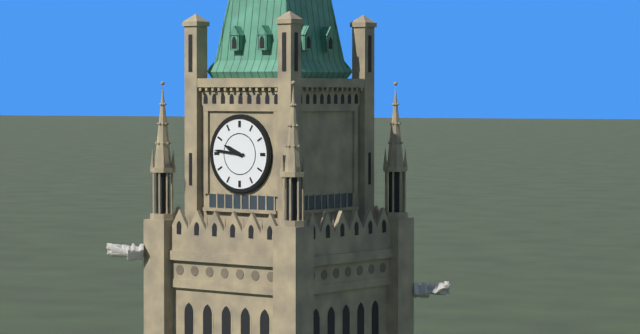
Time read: 9h46
